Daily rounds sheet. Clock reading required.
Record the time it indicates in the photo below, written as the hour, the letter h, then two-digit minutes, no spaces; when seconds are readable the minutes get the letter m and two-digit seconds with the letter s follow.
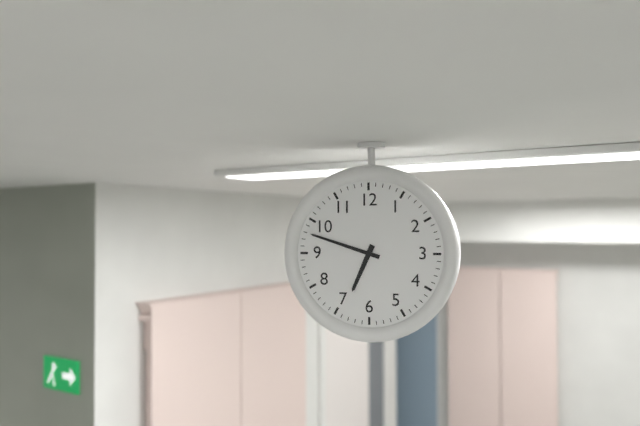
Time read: 6h48
